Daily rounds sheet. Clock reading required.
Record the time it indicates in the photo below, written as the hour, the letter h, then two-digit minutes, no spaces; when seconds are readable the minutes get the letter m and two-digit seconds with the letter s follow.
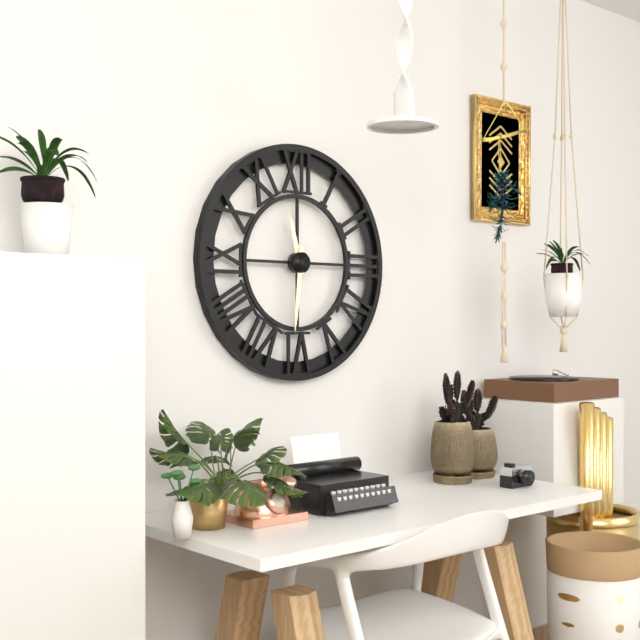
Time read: 11h31
